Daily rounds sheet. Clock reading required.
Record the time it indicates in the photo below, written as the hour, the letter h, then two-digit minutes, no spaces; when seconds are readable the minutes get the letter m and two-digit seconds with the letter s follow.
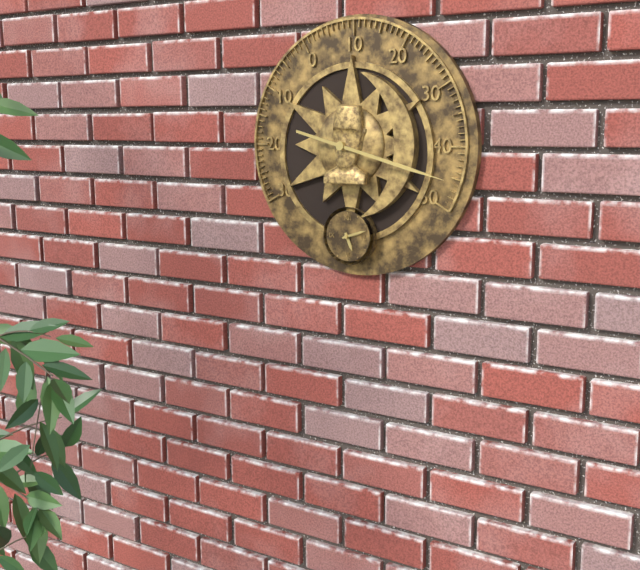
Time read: 5h12
